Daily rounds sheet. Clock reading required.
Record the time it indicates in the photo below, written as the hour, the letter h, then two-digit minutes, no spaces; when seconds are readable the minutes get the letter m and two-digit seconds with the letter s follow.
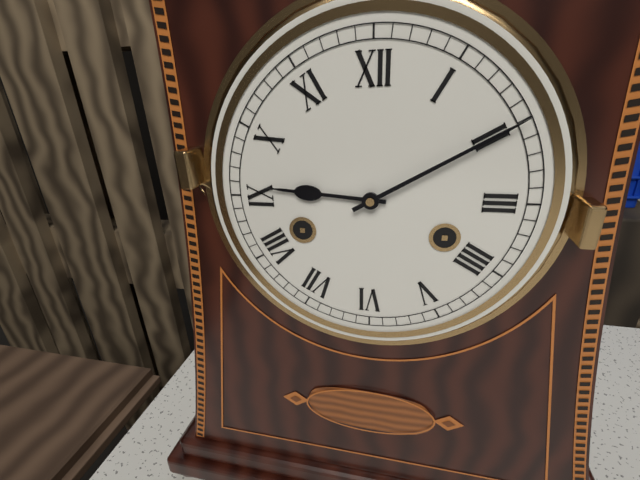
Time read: 9h10
